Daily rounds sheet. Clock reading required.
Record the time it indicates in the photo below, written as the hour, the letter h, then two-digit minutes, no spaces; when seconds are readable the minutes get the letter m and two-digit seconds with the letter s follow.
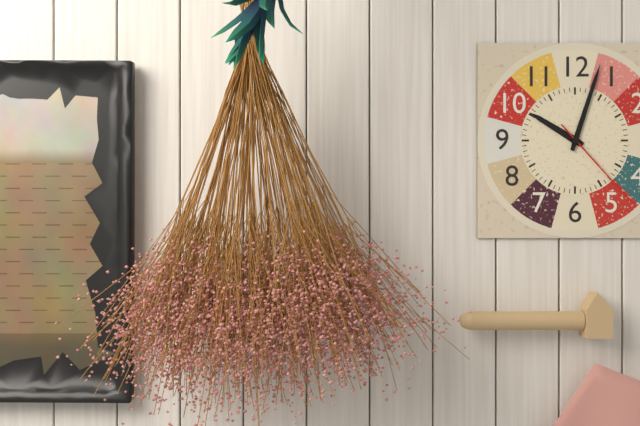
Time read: 10h03m23s
